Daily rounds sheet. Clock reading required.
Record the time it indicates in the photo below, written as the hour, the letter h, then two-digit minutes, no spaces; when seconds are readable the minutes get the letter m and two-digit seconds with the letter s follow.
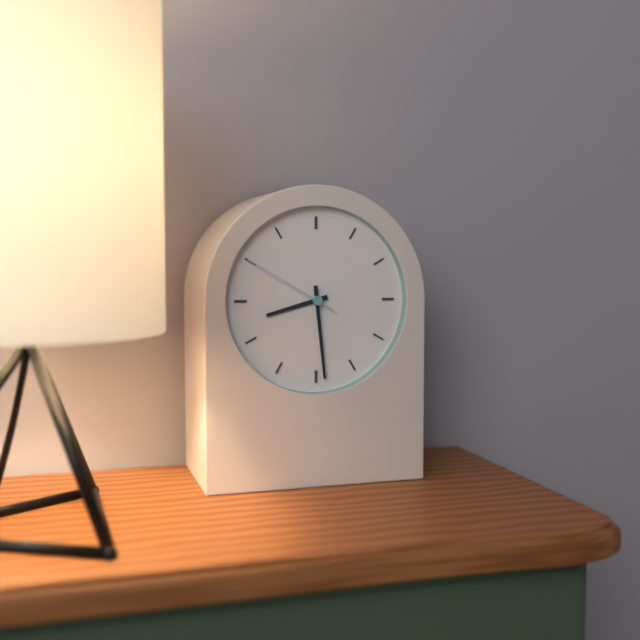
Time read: 8h29m50s
